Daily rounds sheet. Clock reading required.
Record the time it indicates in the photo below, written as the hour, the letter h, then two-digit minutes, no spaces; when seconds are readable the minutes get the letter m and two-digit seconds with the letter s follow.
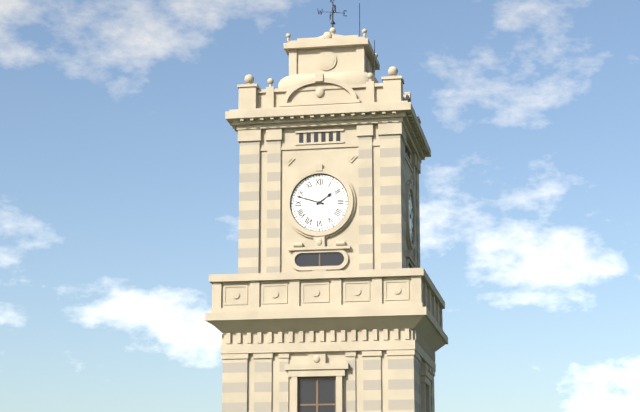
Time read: 1h48
